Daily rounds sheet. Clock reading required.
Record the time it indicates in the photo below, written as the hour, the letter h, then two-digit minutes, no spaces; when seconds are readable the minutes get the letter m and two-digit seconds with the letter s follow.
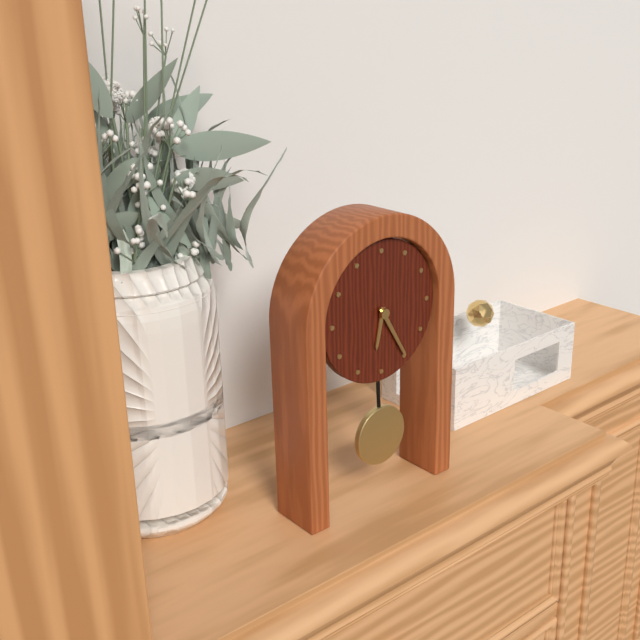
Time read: 6h25
